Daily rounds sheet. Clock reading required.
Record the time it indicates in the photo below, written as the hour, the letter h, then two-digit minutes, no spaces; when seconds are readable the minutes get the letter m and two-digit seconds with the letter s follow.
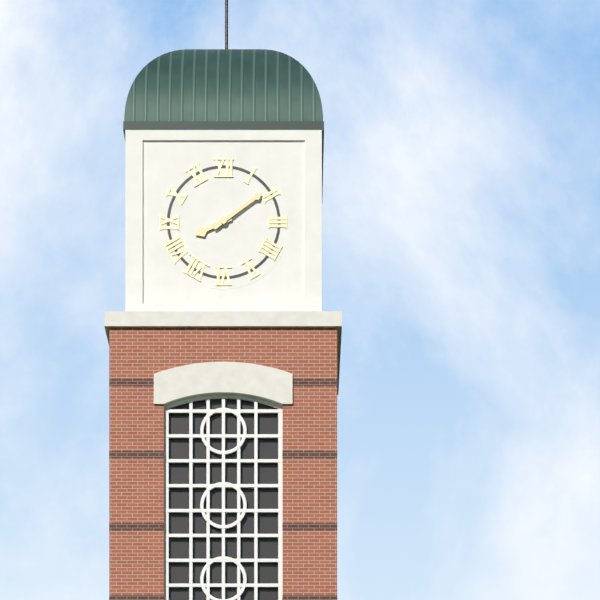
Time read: 8h09
